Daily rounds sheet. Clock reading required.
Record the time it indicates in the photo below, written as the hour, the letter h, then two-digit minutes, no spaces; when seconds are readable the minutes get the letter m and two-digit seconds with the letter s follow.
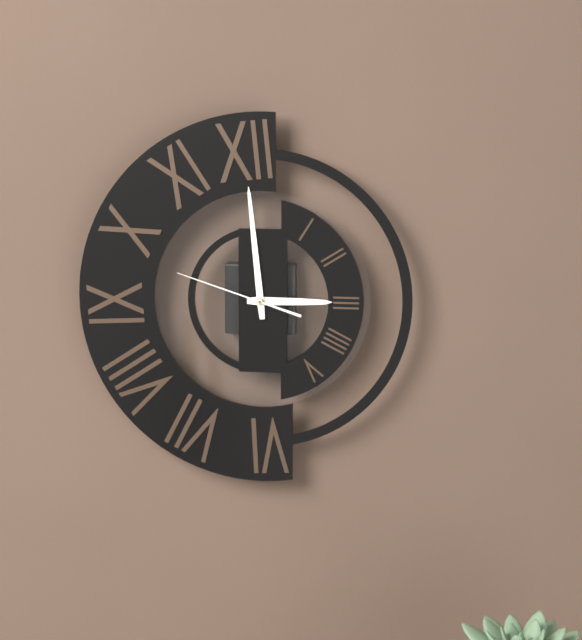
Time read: 2h59m48s
